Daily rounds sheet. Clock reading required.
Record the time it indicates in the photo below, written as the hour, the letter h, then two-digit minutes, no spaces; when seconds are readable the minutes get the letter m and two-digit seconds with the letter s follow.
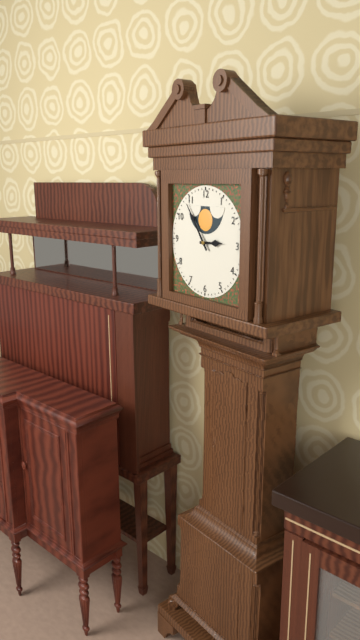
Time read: 2h54
